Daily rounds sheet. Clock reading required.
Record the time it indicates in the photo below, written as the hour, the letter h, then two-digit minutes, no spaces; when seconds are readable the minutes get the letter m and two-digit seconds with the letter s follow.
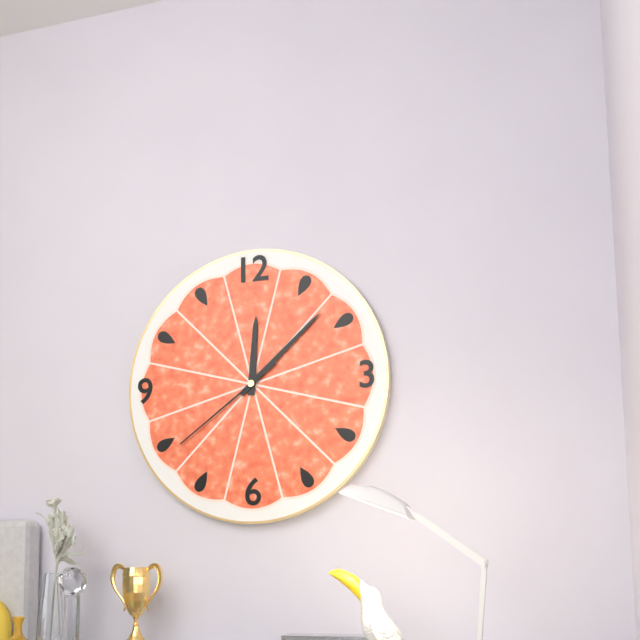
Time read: 12h08m39s
